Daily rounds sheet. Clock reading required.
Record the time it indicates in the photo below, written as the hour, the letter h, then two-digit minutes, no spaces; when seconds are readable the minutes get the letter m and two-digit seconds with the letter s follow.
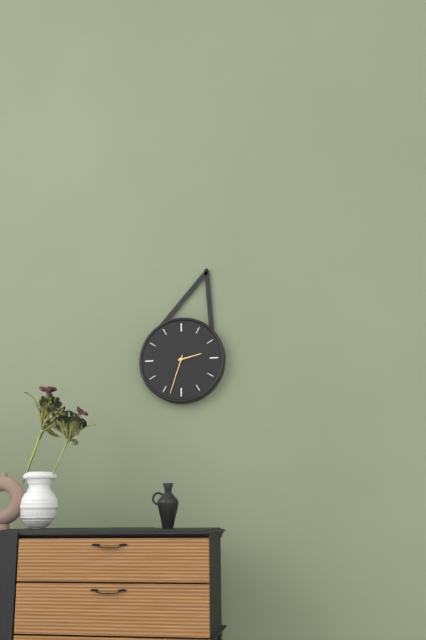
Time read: 2h33
